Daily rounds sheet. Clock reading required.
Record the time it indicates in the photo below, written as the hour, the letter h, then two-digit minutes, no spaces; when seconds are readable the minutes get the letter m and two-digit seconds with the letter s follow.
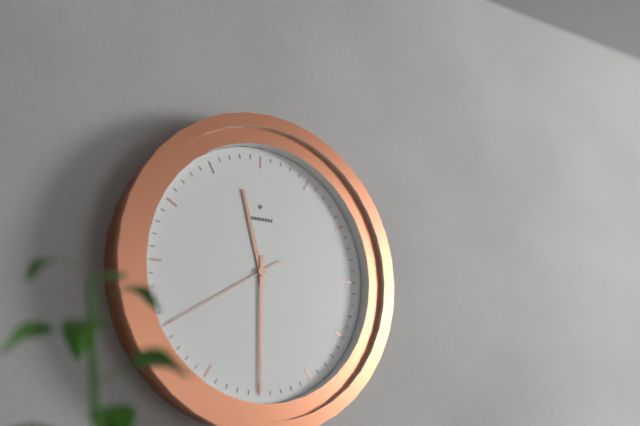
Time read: 11h30m40s
